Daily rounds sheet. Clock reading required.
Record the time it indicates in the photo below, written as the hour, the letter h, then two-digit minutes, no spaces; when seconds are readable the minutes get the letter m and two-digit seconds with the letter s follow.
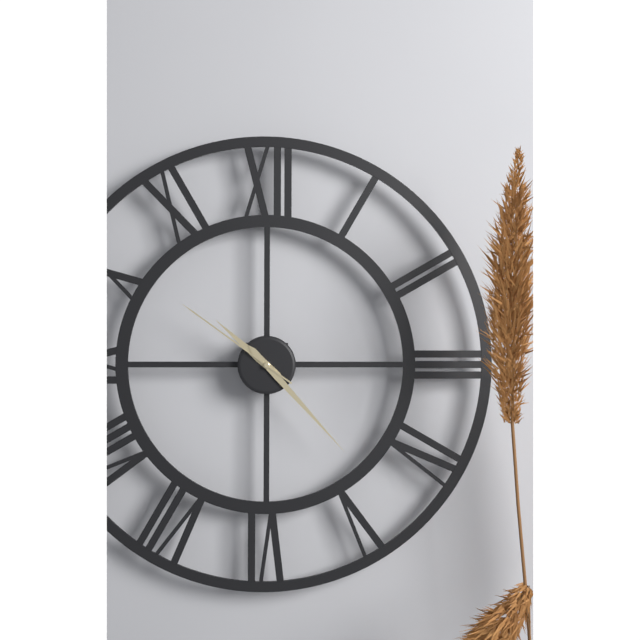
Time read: 10h23m51s
